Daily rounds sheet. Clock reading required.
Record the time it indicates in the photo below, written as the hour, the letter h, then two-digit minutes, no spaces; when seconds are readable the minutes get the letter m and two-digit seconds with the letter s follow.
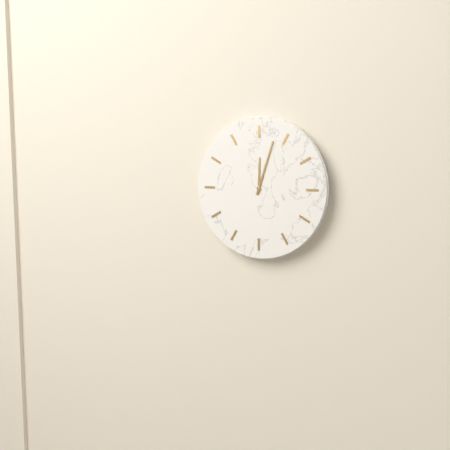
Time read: 12h03
